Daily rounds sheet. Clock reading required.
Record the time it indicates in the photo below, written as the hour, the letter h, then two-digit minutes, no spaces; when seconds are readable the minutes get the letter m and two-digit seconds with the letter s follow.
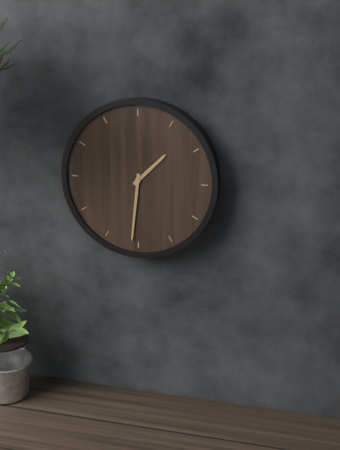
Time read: 1h31
